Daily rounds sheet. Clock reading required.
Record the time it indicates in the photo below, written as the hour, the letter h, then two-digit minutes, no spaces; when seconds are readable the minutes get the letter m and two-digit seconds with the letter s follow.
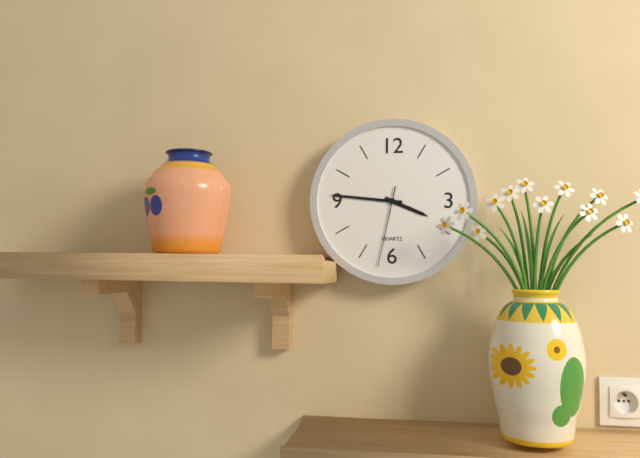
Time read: 3h46m32s
